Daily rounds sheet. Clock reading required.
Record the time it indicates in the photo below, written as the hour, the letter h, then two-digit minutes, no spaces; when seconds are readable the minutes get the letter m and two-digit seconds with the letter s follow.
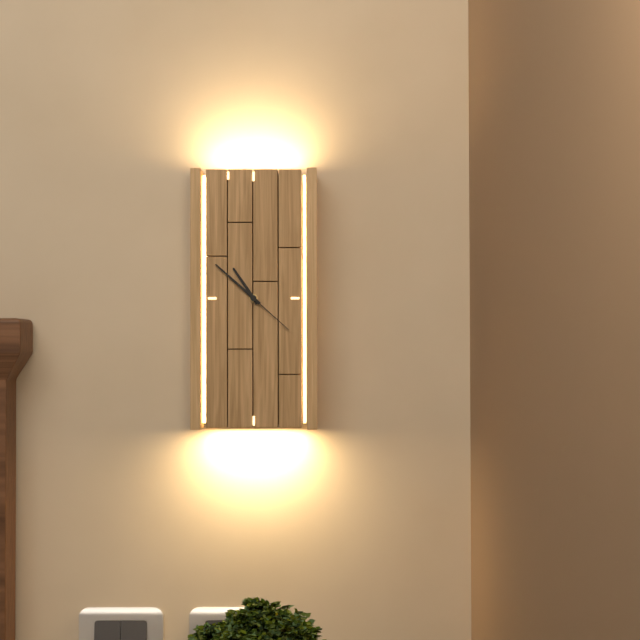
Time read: 10h52m22s
